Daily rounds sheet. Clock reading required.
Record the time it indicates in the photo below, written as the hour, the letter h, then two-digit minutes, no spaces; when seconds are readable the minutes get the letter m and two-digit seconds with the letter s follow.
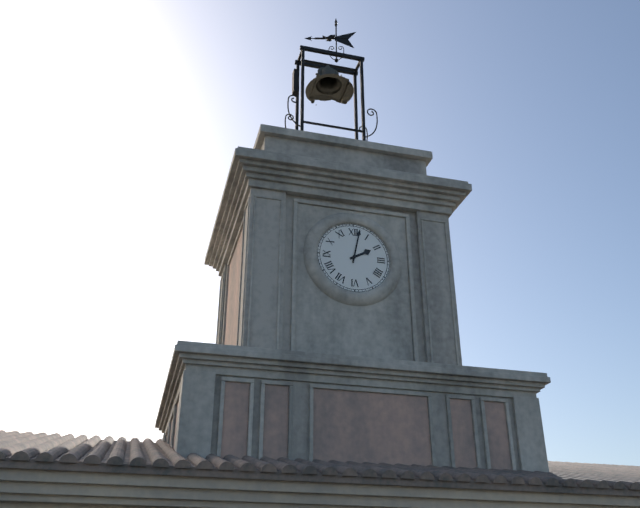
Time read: 2h02
